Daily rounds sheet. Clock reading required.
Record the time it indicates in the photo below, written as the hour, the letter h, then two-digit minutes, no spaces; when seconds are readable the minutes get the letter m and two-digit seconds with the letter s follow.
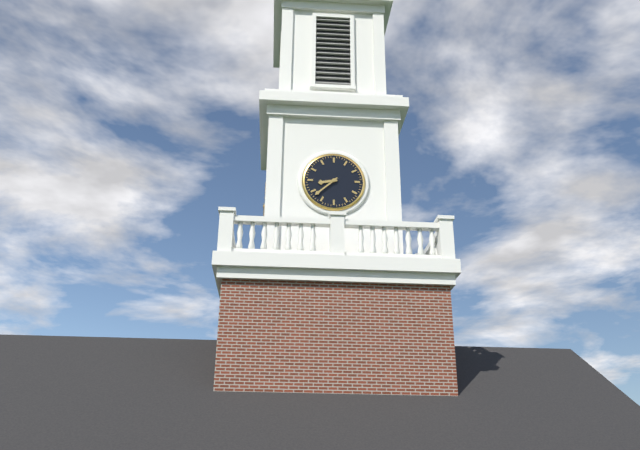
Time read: 8h38
